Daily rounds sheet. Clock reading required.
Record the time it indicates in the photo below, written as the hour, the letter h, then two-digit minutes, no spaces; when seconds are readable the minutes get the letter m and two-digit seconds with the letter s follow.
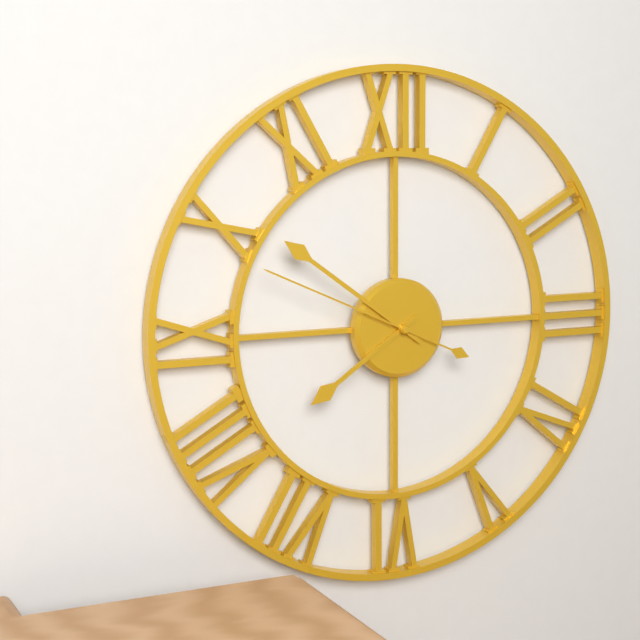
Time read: 7h51m49s
